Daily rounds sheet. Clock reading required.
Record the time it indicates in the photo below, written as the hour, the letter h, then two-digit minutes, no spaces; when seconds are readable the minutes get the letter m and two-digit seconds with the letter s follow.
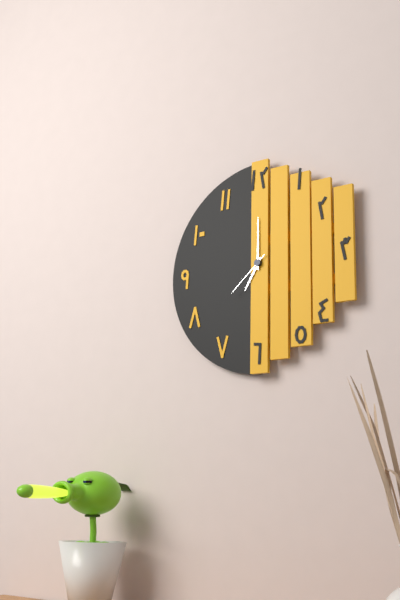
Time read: 7h00m38s
